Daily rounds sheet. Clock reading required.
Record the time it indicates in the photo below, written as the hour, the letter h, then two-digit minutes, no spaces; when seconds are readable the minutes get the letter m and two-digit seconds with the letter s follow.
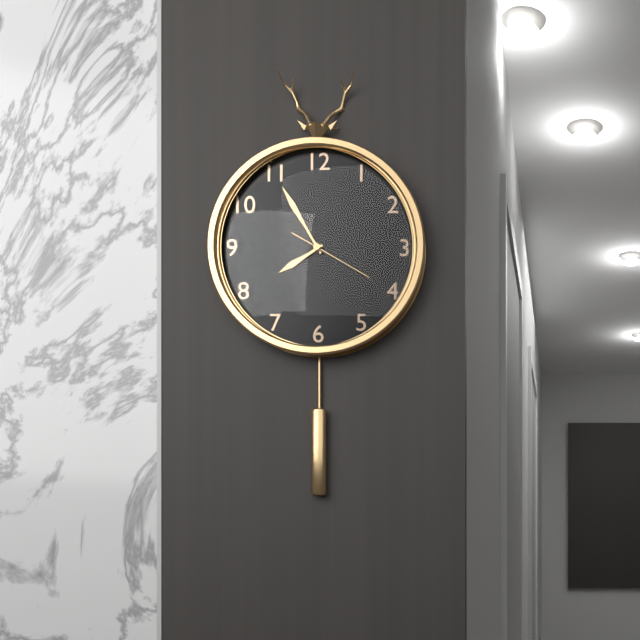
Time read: 7h55m20s
